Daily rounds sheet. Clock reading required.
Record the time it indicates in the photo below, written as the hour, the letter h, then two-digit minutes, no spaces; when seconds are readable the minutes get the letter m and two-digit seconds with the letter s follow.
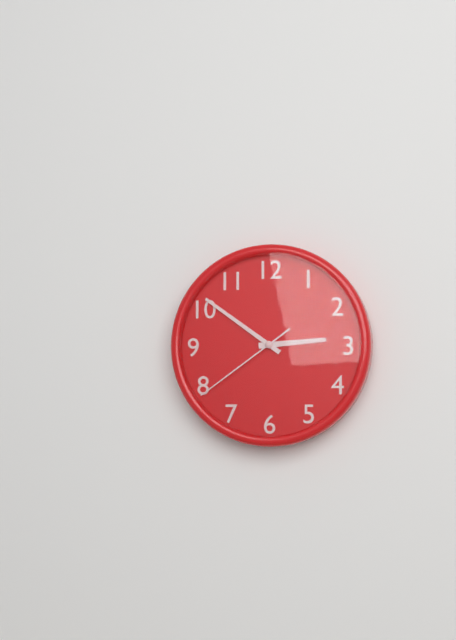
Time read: 2h51m39s
